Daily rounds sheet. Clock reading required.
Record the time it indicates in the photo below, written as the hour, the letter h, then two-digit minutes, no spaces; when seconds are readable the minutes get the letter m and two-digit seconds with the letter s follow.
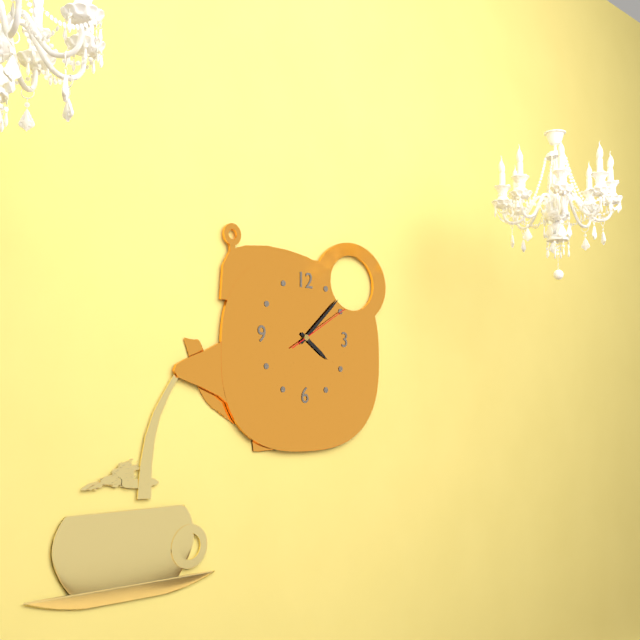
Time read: 4h08m10s
